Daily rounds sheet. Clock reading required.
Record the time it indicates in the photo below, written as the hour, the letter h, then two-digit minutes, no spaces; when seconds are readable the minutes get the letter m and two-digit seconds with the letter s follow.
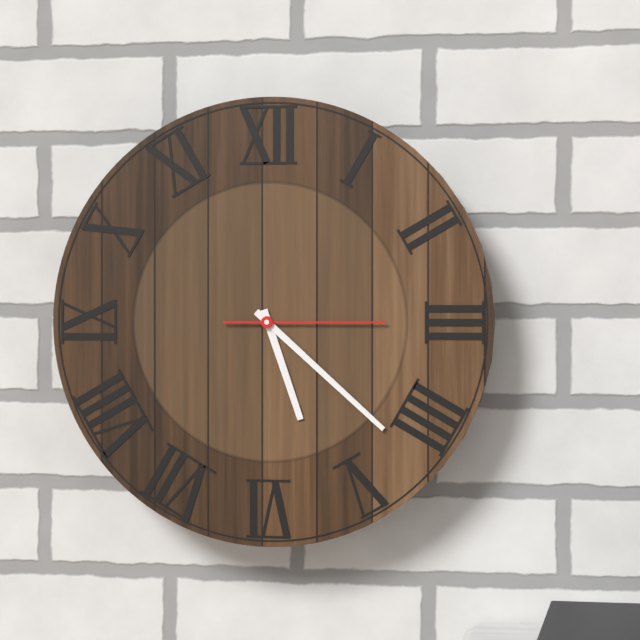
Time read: 5h22m15s
